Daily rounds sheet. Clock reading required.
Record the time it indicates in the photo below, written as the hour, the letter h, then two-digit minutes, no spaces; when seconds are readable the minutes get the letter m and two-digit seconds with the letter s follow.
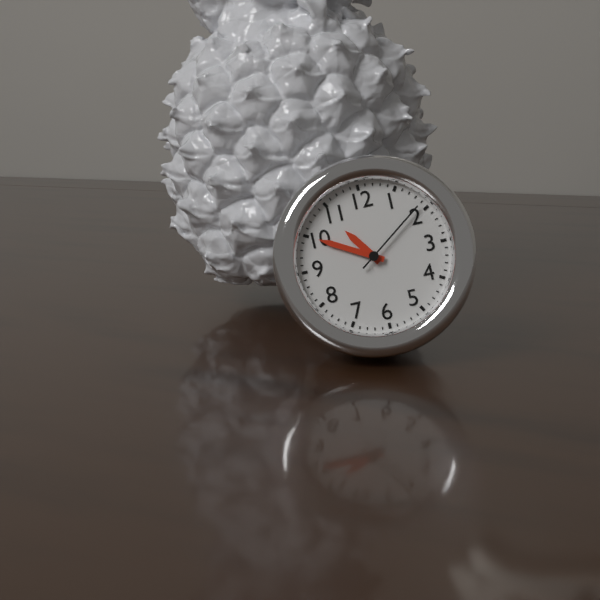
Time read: 10h50m09s
